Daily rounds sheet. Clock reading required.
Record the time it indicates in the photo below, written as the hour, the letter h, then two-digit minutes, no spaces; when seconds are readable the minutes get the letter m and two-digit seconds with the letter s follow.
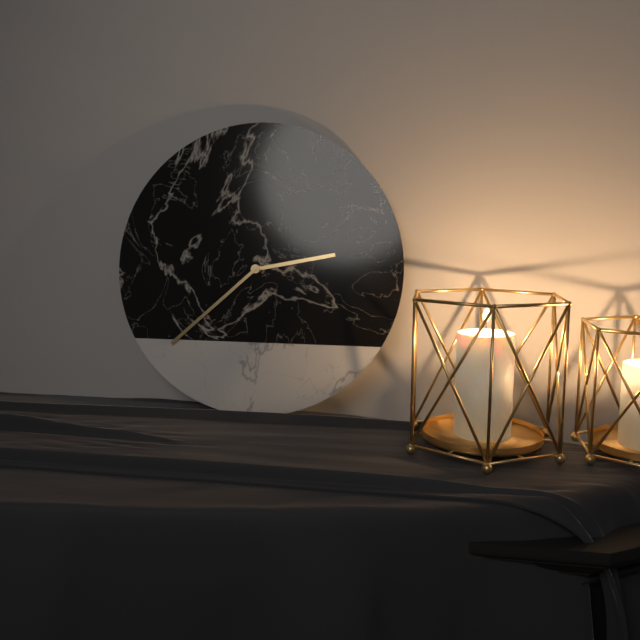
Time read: 2h38
